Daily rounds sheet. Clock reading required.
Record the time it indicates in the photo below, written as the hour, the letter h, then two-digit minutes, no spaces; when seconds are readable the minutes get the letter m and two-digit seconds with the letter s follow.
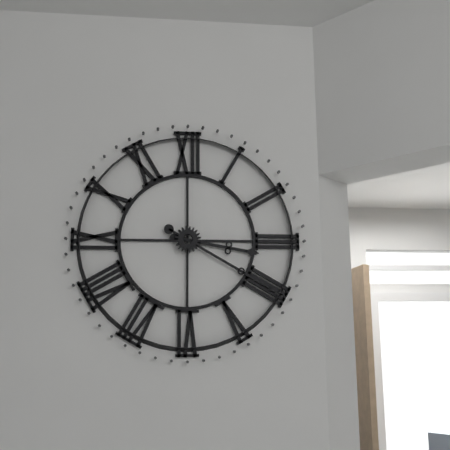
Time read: 3h20
